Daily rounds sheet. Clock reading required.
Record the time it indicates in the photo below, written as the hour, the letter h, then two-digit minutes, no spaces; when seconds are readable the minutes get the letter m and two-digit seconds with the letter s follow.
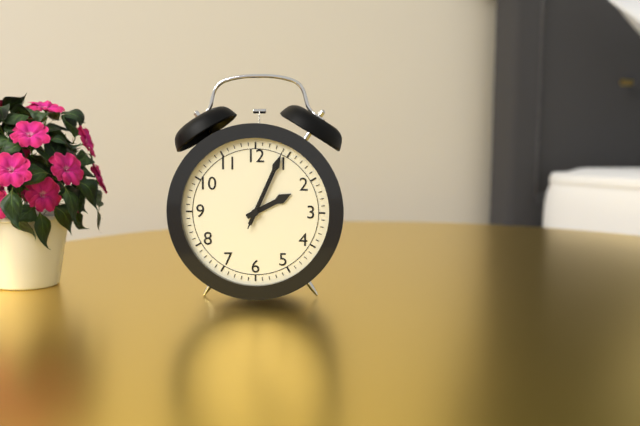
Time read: 2h04m04s
